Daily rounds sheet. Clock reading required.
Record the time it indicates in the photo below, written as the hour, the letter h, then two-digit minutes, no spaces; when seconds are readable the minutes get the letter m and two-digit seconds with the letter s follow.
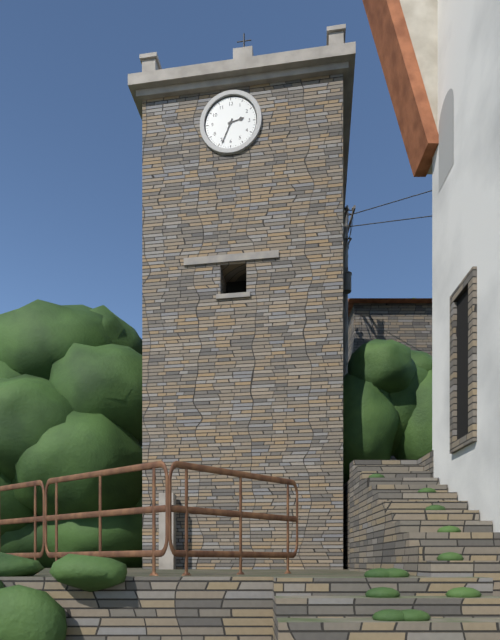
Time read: 2h34
